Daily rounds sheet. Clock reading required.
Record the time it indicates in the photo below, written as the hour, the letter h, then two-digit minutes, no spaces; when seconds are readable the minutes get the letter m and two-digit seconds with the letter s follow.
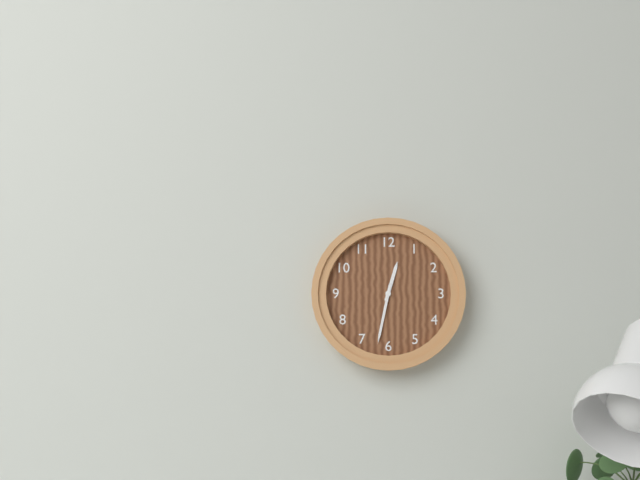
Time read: 12h32
